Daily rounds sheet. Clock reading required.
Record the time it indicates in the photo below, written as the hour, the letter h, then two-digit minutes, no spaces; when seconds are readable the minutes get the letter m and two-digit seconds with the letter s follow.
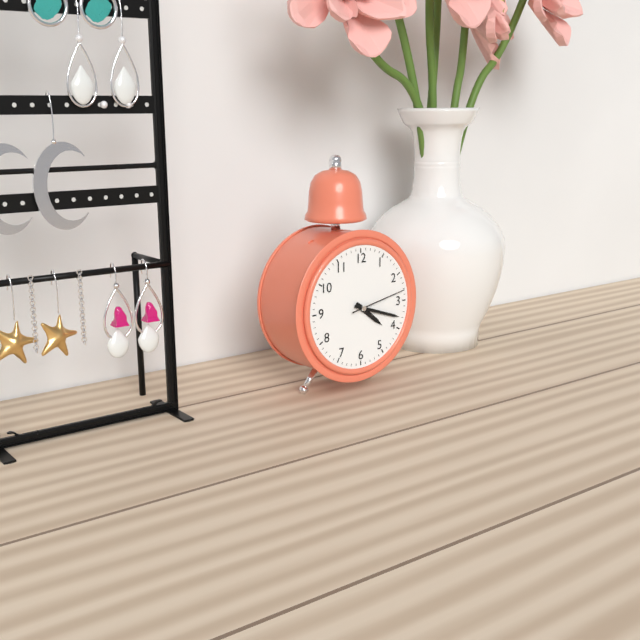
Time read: 4h18m13s
